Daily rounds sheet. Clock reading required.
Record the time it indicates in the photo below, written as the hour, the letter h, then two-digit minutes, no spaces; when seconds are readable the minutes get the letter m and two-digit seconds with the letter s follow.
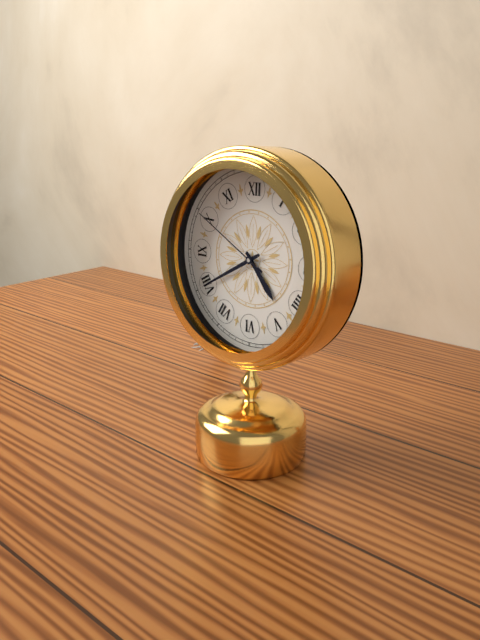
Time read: 4h40m50s
